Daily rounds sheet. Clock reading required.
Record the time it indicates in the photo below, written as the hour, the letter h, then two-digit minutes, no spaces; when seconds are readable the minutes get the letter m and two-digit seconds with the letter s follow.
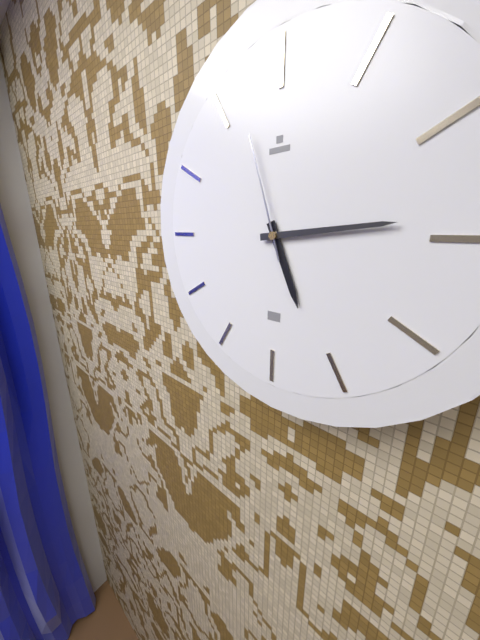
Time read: 5h14m57s
